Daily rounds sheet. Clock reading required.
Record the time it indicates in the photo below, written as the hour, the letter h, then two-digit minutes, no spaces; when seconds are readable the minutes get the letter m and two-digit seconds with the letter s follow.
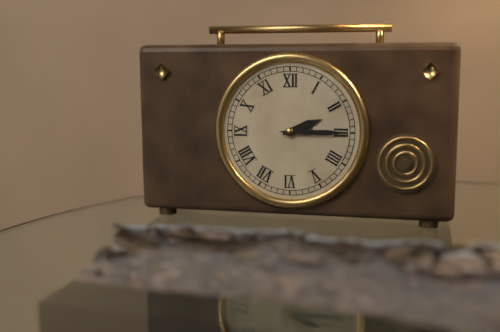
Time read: 2h15
